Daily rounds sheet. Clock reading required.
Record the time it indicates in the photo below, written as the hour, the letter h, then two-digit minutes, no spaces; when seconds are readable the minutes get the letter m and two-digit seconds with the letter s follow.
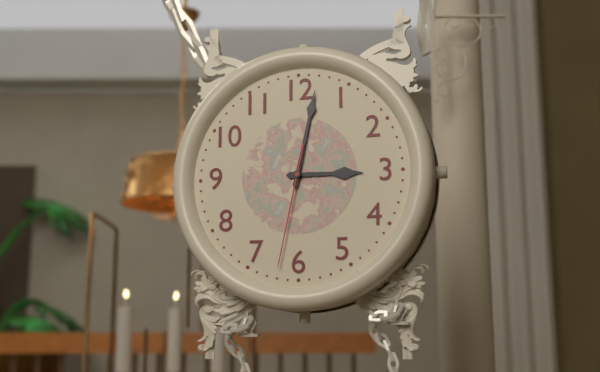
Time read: 3h02m32s
